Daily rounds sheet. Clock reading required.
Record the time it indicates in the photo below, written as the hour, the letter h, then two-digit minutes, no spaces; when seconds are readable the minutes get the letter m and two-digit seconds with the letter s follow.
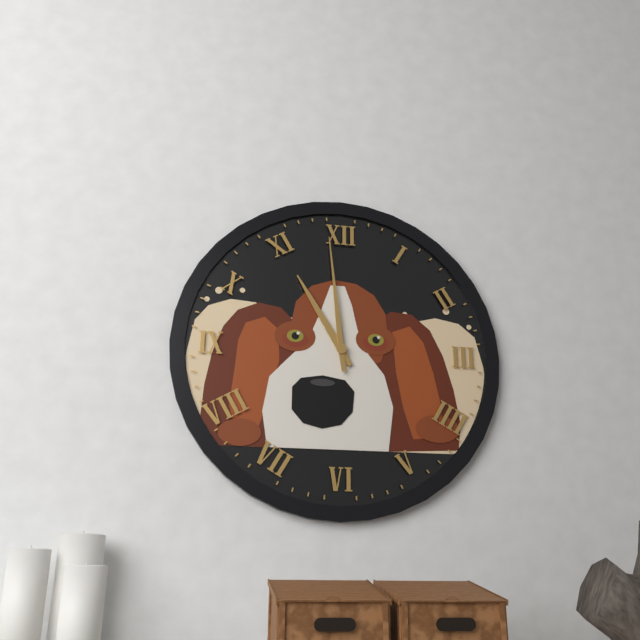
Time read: 10h59
